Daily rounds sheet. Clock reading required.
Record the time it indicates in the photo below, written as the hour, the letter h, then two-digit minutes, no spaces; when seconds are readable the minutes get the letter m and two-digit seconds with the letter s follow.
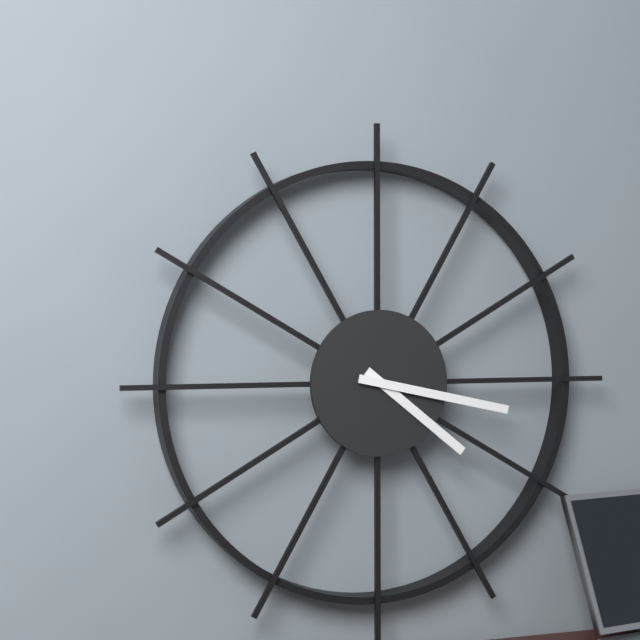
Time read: 4h17
